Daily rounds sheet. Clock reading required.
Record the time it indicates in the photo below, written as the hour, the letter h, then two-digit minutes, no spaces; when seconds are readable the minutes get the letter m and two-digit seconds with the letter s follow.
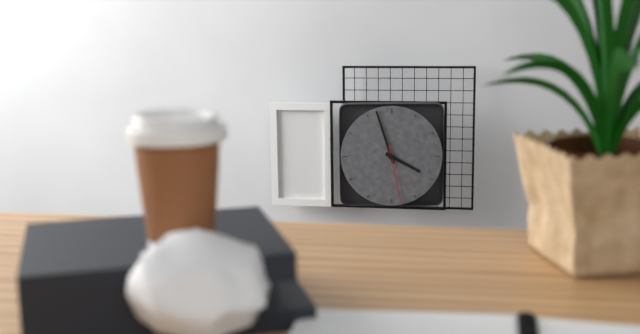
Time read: 3h57m28s
